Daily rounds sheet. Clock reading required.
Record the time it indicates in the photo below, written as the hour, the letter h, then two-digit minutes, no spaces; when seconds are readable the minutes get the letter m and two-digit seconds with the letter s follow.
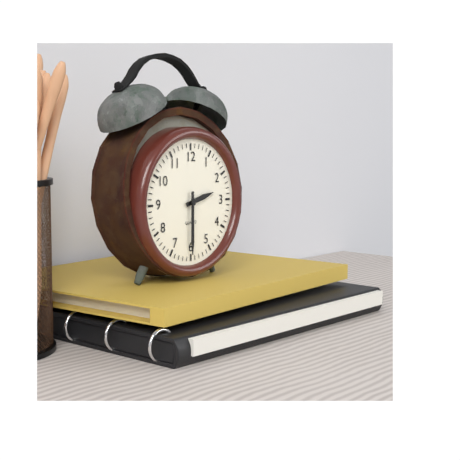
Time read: 2h30
